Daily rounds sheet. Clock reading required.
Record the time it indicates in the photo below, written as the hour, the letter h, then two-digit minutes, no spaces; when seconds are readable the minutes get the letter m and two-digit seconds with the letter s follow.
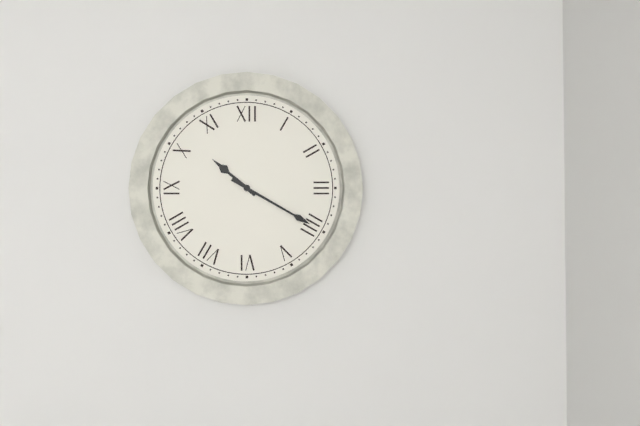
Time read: 10h20
